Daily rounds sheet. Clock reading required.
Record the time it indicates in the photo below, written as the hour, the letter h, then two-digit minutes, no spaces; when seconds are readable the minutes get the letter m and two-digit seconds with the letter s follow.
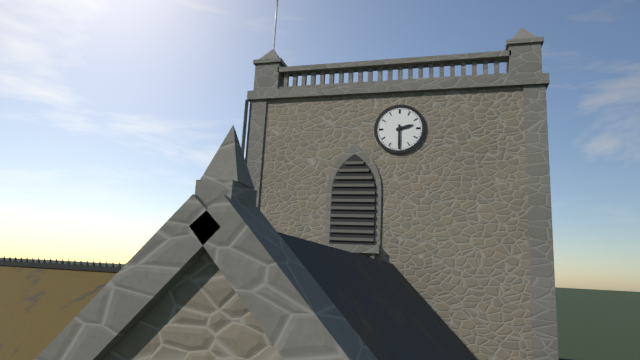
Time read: 2h30
